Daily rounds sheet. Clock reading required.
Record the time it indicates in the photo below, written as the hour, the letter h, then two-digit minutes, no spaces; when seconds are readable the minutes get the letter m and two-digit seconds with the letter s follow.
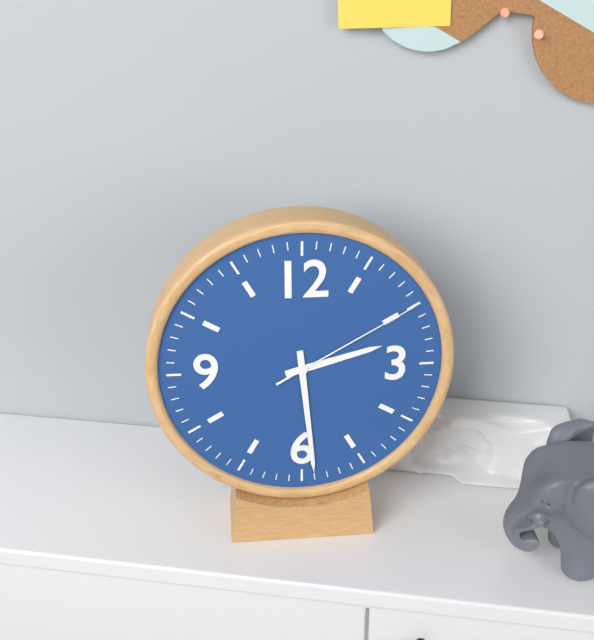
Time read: 2h29m10s
